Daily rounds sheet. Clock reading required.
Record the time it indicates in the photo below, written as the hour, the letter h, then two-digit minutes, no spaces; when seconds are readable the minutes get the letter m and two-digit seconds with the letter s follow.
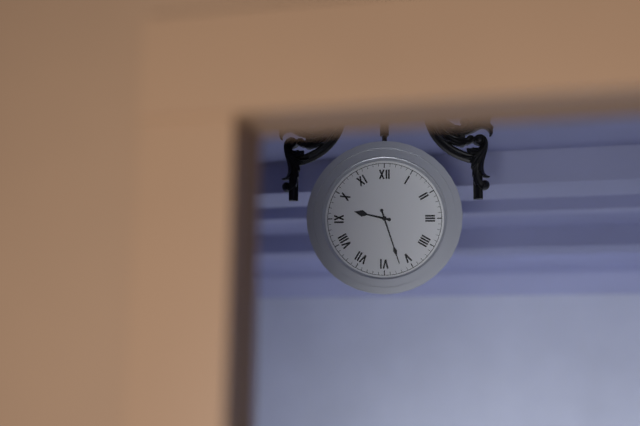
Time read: 9h27
